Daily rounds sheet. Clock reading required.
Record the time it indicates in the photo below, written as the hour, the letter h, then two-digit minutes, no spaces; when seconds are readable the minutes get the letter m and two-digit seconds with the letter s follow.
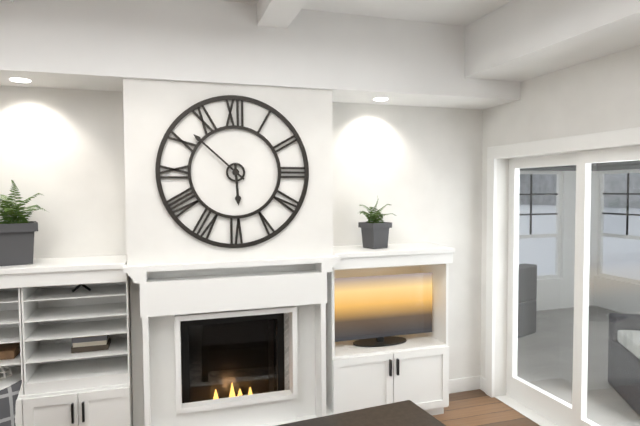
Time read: 5h52
